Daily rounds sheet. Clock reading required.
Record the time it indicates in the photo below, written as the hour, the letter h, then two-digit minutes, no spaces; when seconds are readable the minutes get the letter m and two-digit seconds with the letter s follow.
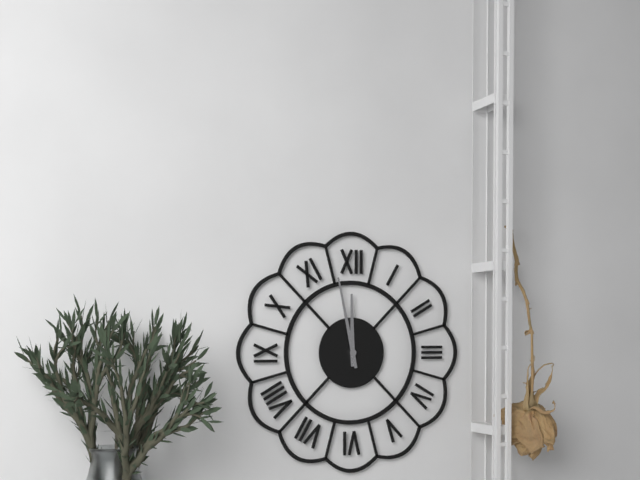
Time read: 11h58
